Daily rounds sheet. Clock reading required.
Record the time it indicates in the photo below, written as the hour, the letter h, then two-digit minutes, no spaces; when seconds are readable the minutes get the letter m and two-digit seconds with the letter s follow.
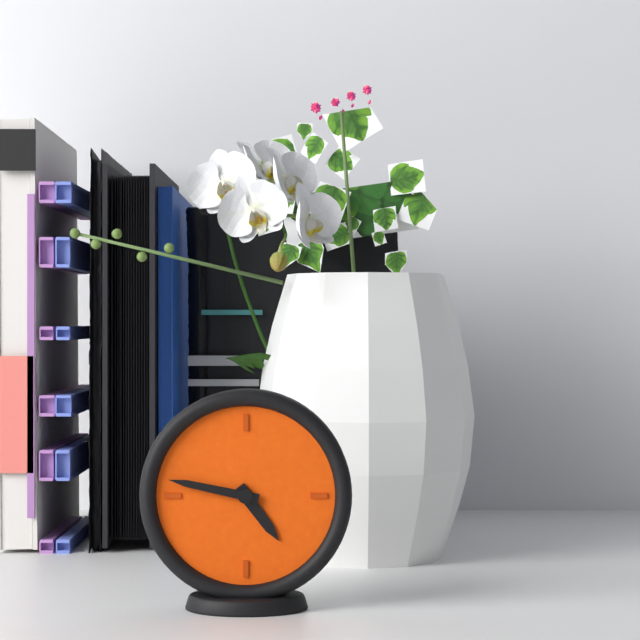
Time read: 4h47
